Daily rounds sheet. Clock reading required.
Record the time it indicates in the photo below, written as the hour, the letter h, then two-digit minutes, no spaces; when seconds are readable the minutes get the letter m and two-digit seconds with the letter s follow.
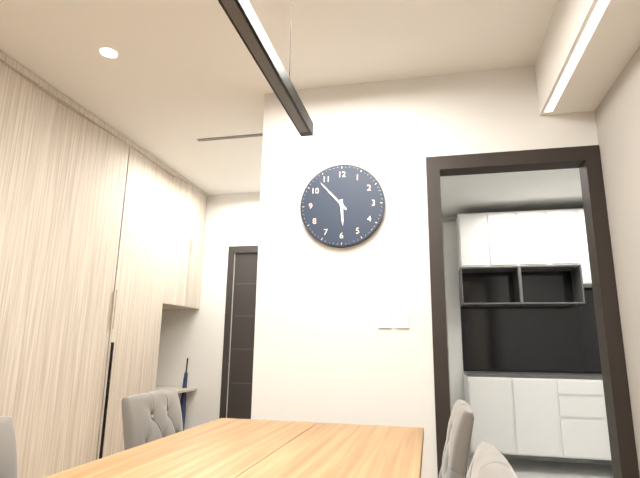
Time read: 5h53
